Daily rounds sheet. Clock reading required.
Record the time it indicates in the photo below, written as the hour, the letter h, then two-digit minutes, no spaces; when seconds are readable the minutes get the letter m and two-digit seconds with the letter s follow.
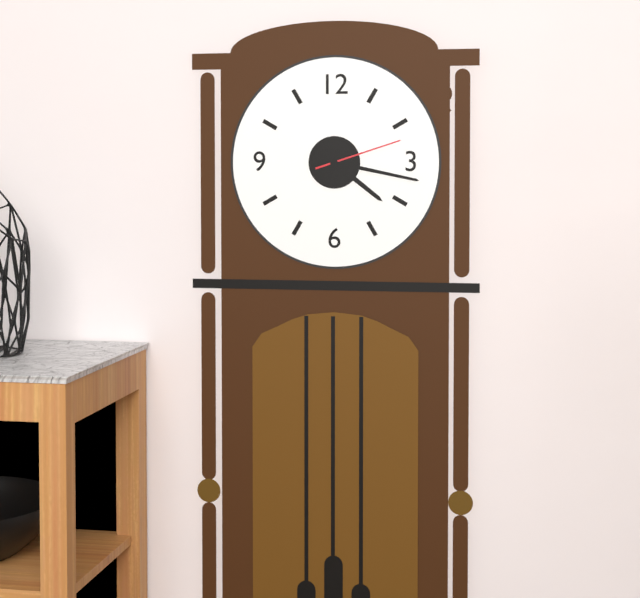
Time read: 4h17m12s
